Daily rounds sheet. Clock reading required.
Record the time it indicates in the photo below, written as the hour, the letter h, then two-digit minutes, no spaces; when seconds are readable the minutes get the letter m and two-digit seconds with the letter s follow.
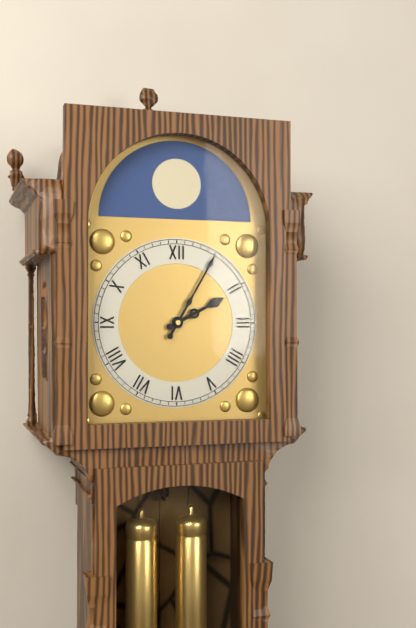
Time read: 2h05
